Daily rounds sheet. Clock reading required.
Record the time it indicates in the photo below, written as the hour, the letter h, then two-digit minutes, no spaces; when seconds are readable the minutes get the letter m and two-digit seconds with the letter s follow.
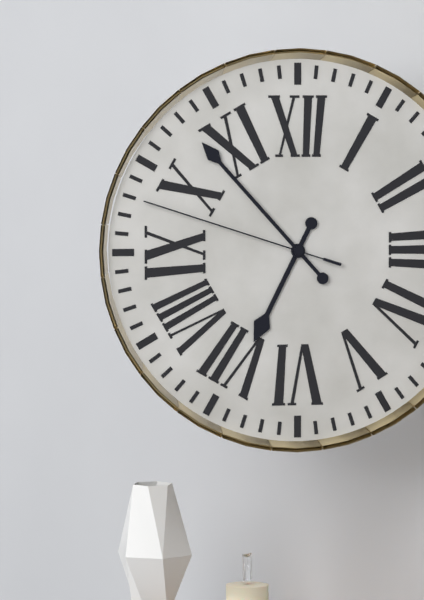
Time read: 6h53m48s
